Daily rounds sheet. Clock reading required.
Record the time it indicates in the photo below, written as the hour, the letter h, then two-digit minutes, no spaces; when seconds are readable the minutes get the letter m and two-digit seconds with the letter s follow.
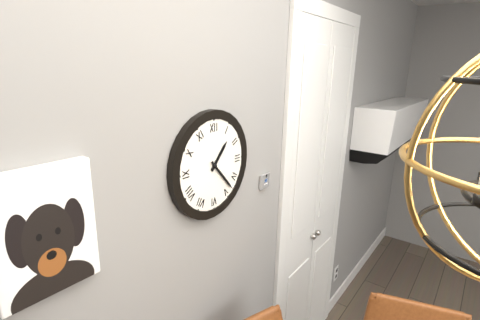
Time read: 1h23
